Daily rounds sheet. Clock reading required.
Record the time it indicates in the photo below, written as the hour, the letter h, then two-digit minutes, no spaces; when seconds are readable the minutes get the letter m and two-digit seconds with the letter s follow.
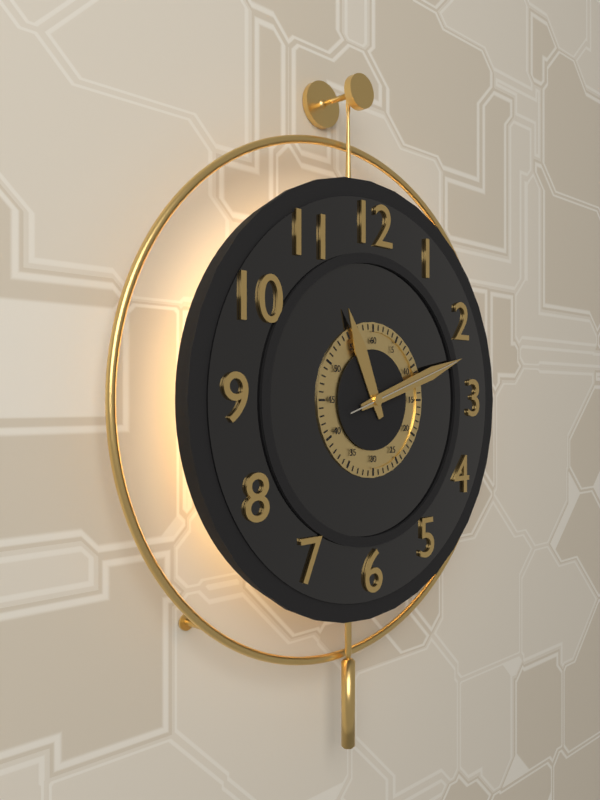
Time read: 11h12m12s
